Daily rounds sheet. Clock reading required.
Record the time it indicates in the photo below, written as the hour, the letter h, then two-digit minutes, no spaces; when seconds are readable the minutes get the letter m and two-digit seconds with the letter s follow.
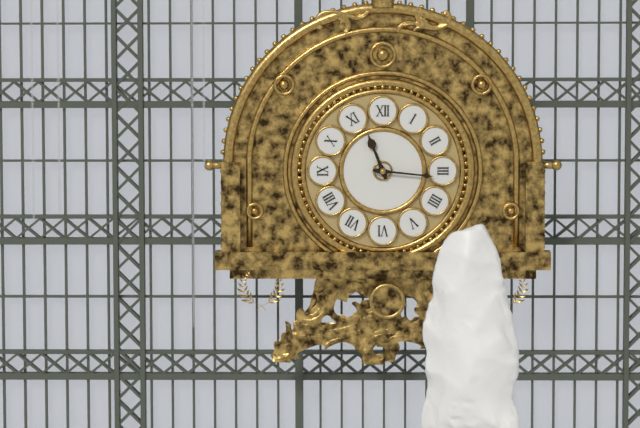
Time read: 11h16
